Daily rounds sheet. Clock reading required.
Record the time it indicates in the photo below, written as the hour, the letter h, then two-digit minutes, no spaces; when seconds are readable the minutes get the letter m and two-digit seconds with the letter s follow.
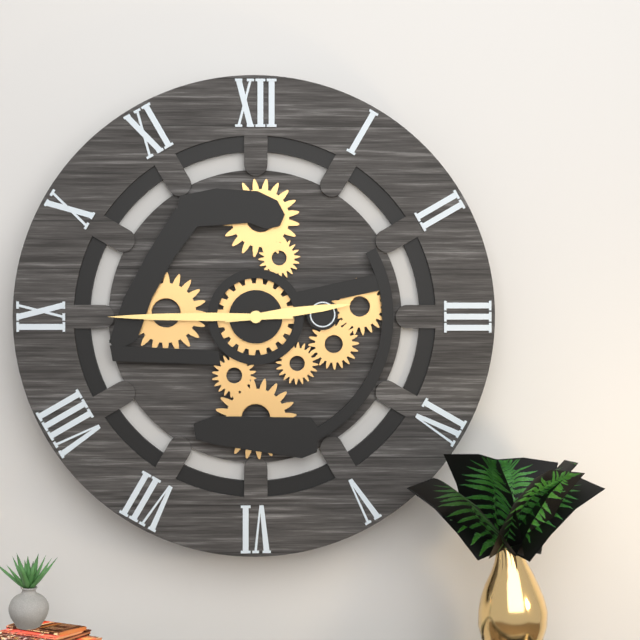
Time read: 2h45
